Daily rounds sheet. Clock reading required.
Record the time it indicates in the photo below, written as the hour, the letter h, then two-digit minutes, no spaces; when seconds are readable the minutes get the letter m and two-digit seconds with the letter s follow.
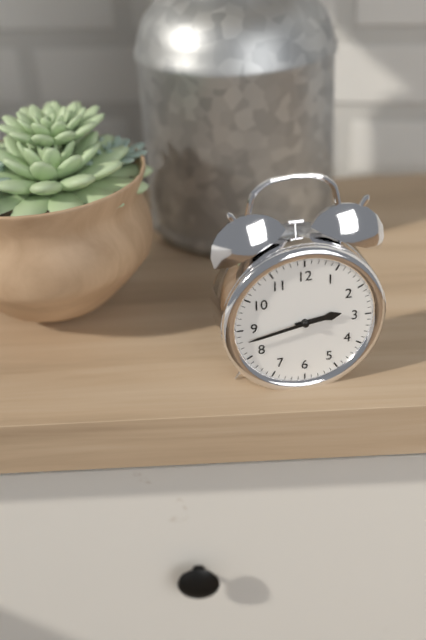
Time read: 2h43
